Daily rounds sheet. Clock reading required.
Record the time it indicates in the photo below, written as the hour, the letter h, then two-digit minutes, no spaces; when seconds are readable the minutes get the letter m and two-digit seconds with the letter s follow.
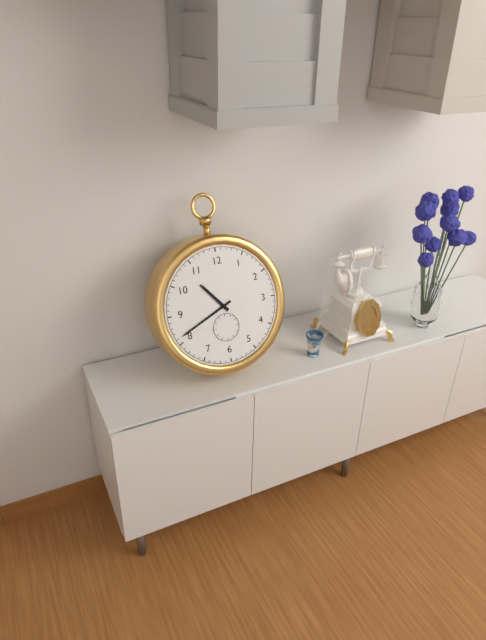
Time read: 10h41
